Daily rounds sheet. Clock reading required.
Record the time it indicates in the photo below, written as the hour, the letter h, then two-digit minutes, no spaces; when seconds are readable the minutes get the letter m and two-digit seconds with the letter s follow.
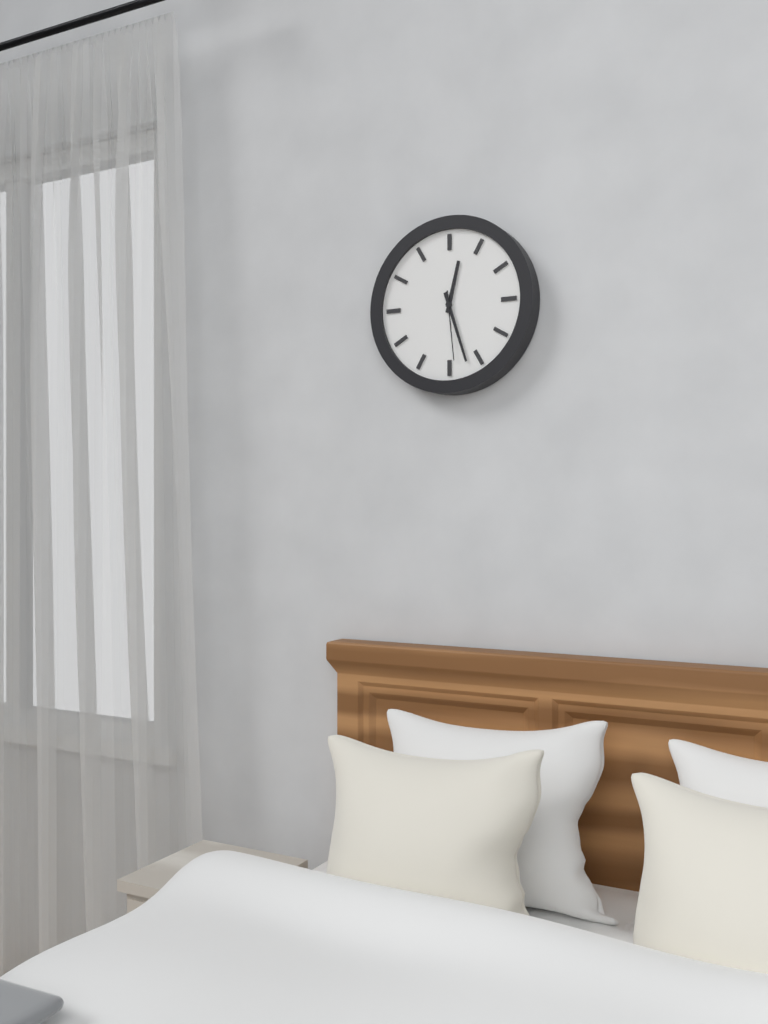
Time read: 12h27m29s
